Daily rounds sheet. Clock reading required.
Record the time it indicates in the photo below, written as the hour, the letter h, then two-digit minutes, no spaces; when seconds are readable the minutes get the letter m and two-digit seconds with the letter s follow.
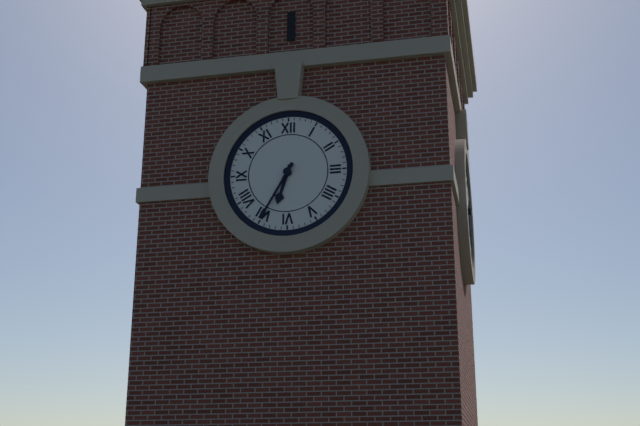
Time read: 6h35
